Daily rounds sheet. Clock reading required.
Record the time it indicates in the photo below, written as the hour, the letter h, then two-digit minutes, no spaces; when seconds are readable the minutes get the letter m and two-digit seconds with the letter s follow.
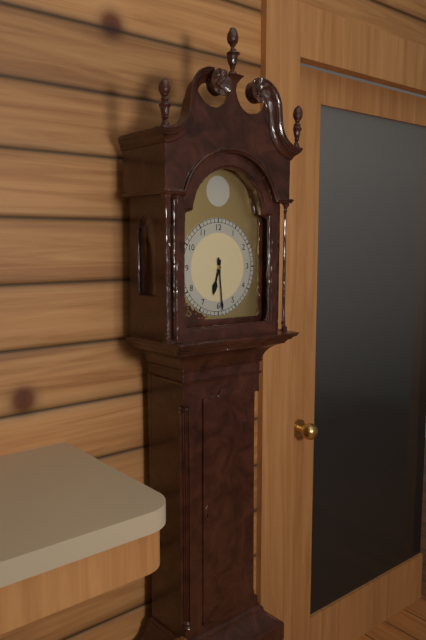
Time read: 6h29
